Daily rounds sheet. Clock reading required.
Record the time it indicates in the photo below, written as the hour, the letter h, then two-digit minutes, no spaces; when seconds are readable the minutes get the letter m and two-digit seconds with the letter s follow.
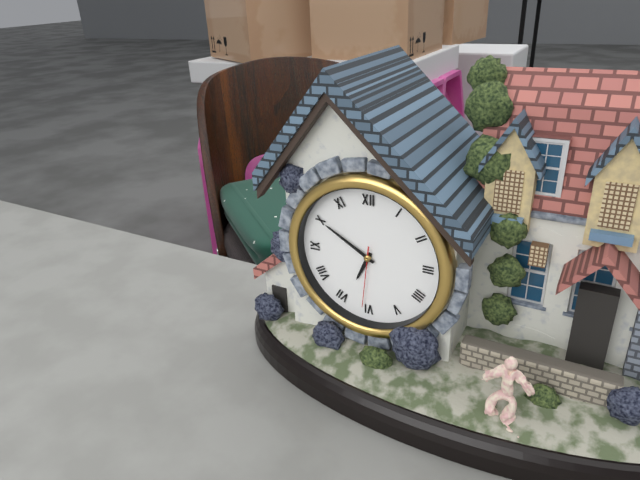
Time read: 6h50m31s
